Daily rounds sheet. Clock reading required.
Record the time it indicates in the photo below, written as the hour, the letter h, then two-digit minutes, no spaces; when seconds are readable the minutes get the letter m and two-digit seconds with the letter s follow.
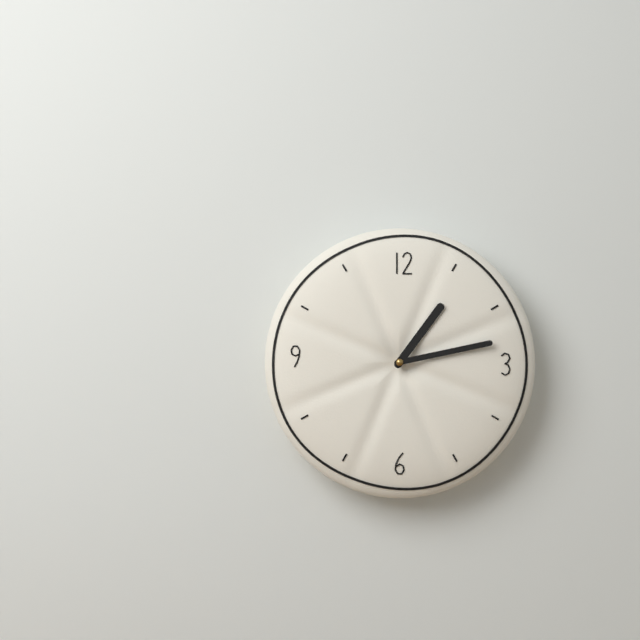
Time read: 1h13
